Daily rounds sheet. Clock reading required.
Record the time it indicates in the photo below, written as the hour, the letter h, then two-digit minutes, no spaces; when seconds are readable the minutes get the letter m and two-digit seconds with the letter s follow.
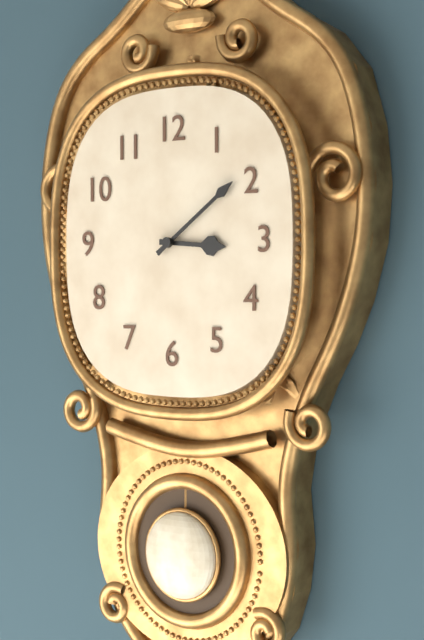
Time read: 3h09
